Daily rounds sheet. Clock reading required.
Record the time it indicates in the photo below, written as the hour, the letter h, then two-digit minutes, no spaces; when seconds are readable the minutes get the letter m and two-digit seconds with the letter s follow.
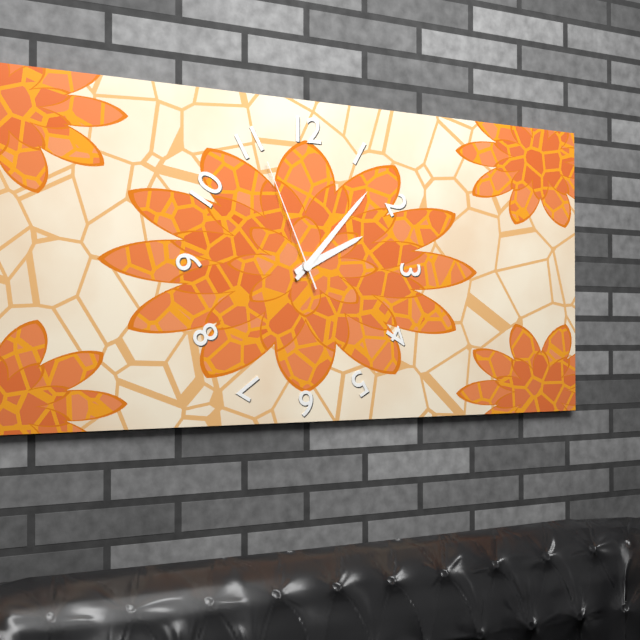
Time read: 2h07m56s
